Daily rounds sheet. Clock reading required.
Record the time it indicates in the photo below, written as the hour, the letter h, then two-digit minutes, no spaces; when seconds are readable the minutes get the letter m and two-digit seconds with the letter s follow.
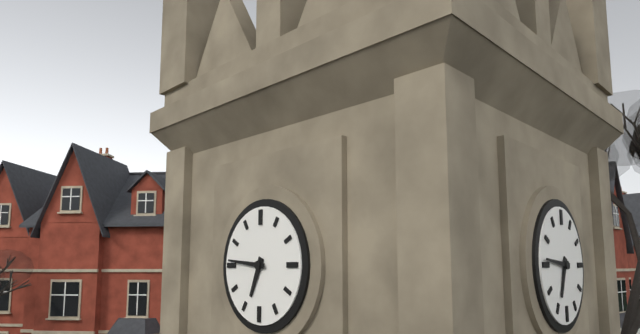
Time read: 6h46
